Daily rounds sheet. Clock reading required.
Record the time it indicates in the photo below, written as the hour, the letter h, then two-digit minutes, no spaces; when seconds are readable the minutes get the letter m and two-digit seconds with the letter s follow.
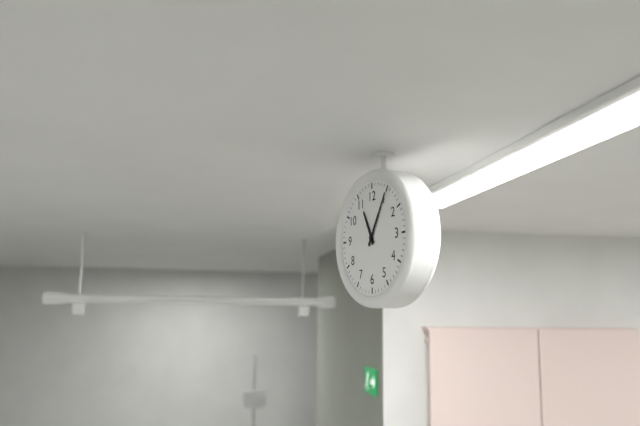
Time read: 11h05
